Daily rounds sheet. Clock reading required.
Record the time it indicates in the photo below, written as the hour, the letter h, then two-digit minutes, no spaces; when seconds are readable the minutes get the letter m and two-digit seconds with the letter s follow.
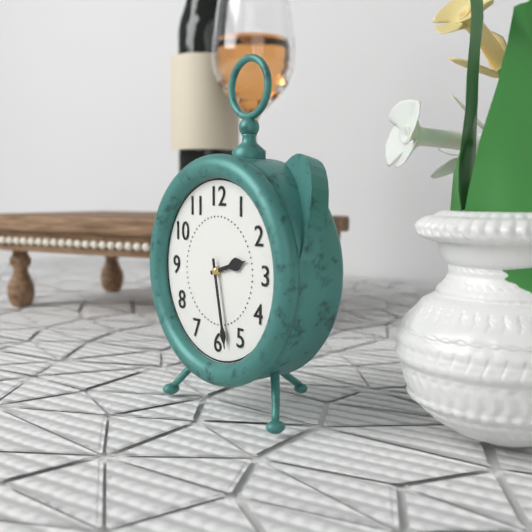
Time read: 2h28
